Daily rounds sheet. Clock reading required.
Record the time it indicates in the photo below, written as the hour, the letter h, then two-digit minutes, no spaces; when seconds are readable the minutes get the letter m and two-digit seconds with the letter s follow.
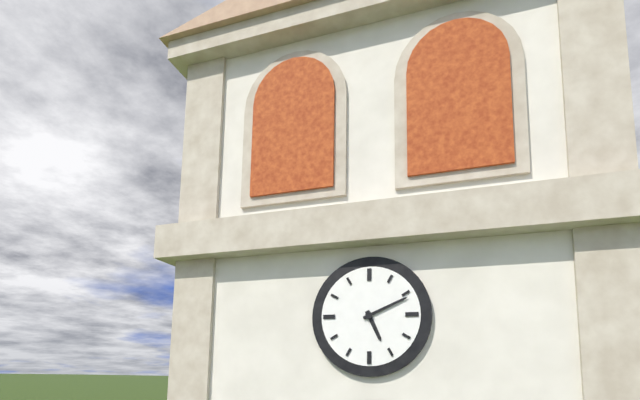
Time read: 5h11
